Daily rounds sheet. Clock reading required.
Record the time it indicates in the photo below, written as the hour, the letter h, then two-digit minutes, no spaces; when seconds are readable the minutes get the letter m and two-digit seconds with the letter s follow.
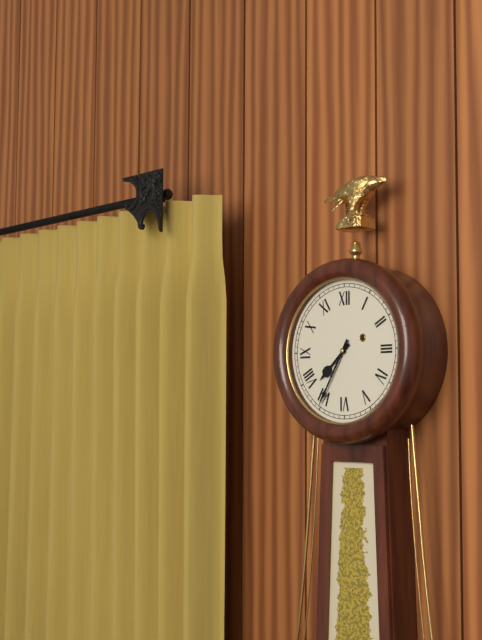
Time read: 7h35
